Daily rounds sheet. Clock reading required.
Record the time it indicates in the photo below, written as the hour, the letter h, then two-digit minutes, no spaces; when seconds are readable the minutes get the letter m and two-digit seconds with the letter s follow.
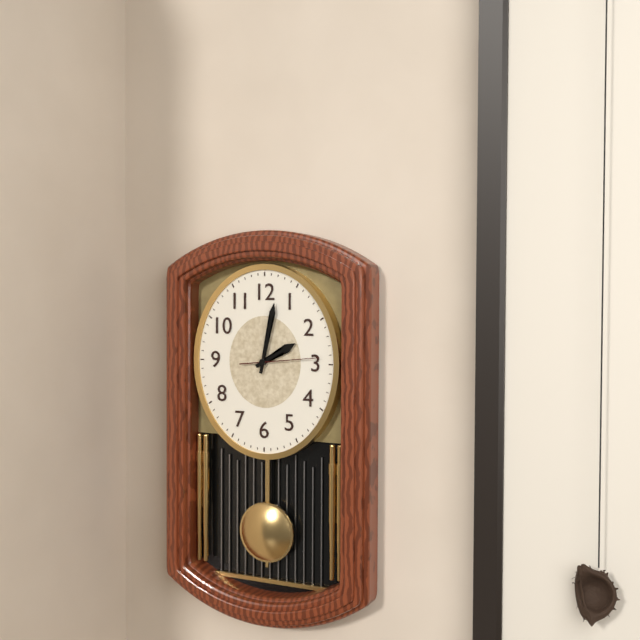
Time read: 2h02m14s
